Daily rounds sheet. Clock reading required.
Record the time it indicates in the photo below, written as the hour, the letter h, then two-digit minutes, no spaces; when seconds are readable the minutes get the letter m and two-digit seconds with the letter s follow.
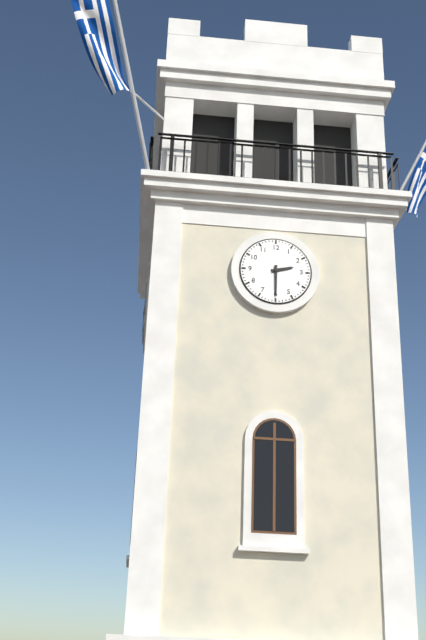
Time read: 2h30
